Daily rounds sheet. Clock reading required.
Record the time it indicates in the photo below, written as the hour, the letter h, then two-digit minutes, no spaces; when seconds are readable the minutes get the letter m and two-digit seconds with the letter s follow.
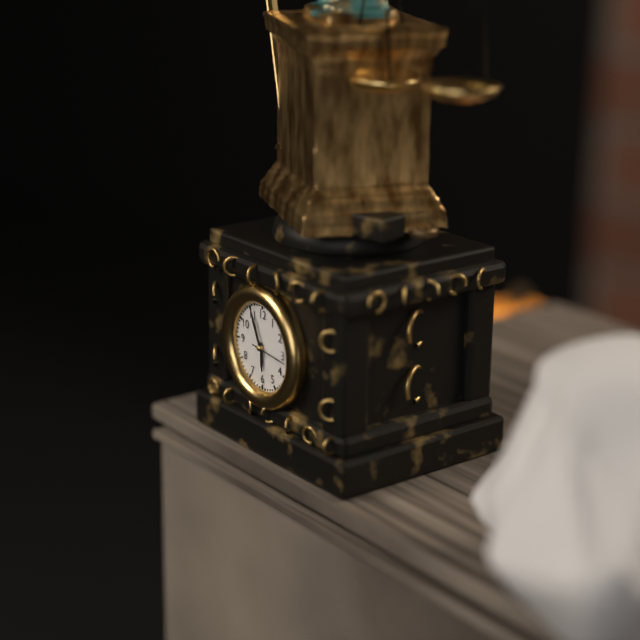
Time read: 5h56
